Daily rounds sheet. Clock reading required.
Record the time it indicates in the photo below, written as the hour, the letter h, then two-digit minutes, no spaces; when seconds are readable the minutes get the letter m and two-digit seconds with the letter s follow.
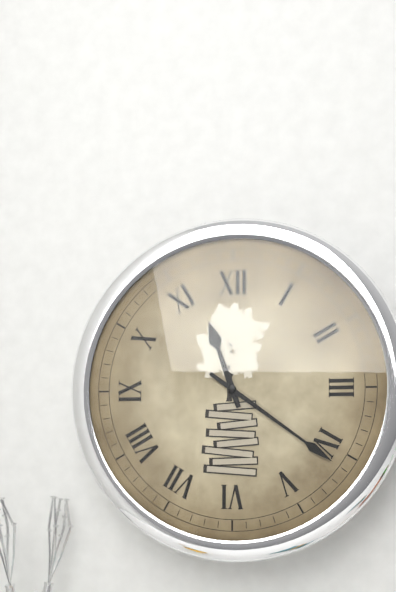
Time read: 11h21
